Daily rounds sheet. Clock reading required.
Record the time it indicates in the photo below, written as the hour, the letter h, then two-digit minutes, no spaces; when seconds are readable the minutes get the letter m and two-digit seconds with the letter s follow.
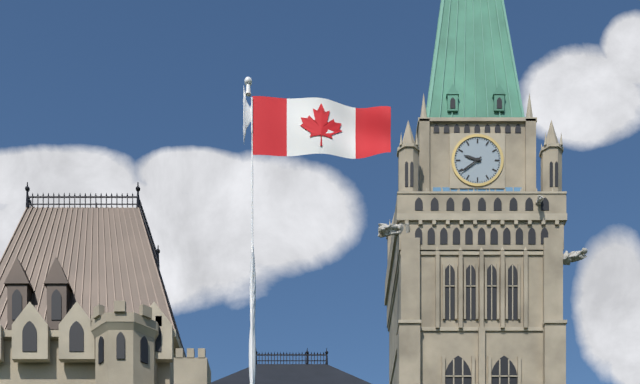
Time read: 9h39
